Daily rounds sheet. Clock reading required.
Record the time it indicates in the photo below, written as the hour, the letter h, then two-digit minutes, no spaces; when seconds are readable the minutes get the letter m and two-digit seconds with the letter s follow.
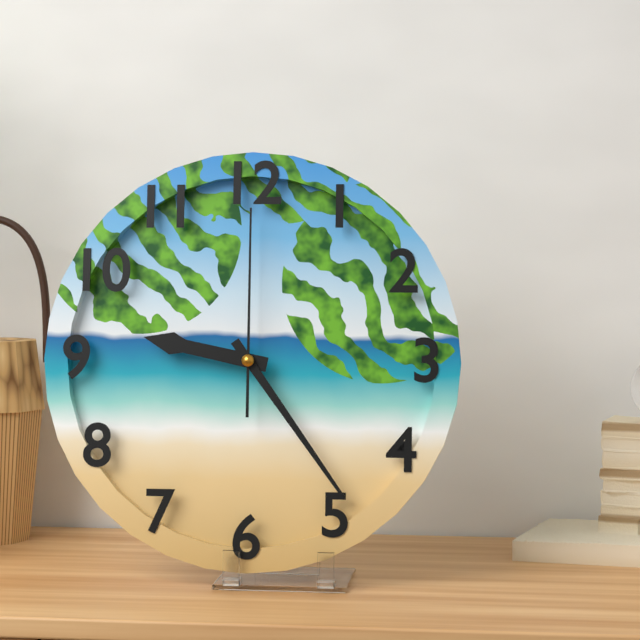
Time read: 9h24m00s
